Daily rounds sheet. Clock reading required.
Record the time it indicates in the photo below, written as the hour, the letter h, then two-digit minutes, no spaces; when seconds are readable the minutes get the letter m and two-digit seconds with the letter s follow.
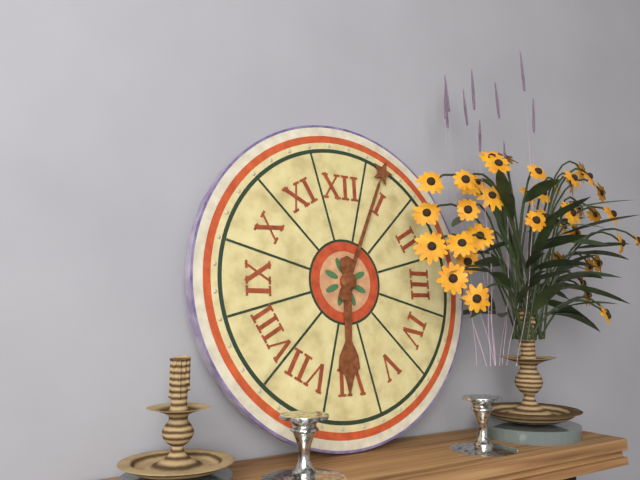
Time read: 6h04
